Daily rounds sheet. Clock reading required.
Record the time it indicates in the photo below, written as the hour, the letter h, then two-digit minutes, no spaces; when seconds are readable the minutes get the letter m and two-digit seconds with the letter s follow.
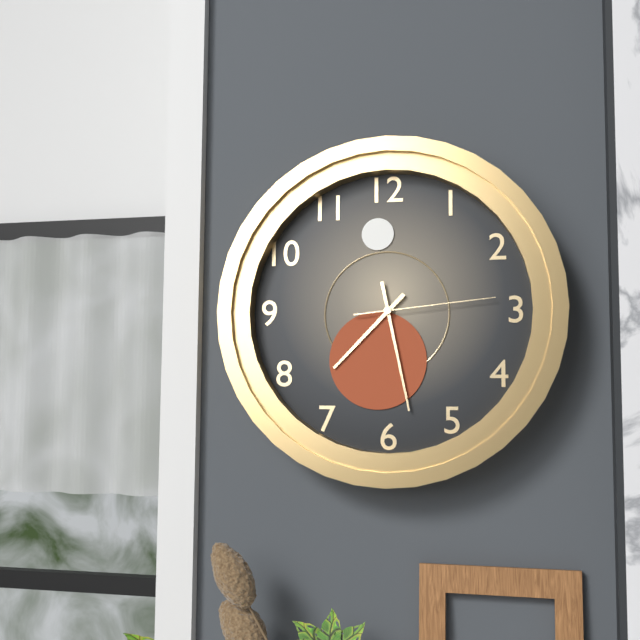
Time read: 7h28m14s
